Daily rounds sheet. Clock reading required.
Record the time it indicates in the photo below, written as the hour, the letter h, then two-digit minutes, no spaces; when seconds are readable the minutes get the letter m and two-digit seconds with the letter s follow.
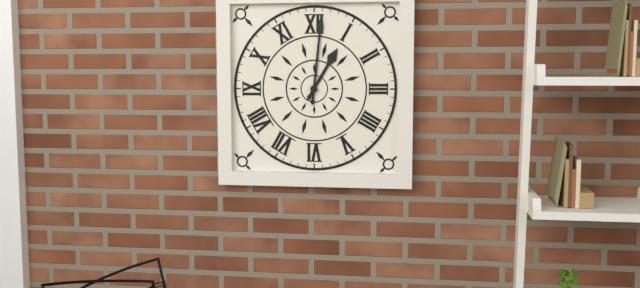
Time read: 1h01
